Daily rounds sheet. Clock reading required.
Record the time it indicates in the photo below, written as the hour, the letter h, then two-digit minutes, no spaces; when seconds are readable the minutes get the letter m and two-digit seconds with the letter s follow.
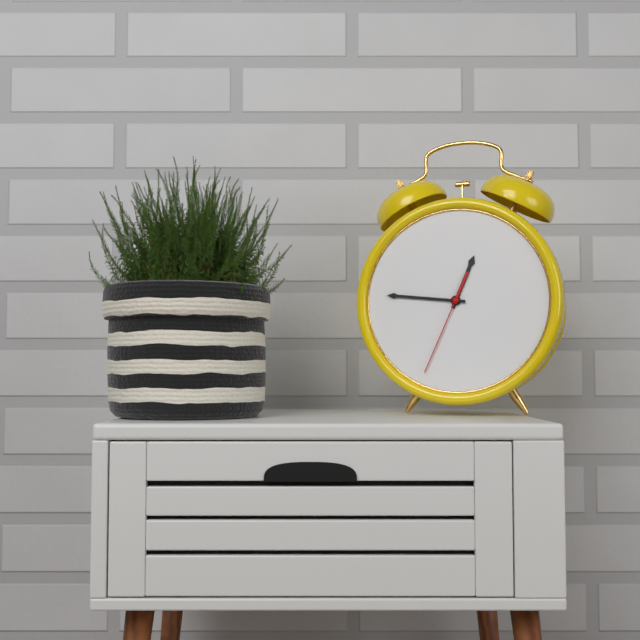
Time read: 12h46m34s
